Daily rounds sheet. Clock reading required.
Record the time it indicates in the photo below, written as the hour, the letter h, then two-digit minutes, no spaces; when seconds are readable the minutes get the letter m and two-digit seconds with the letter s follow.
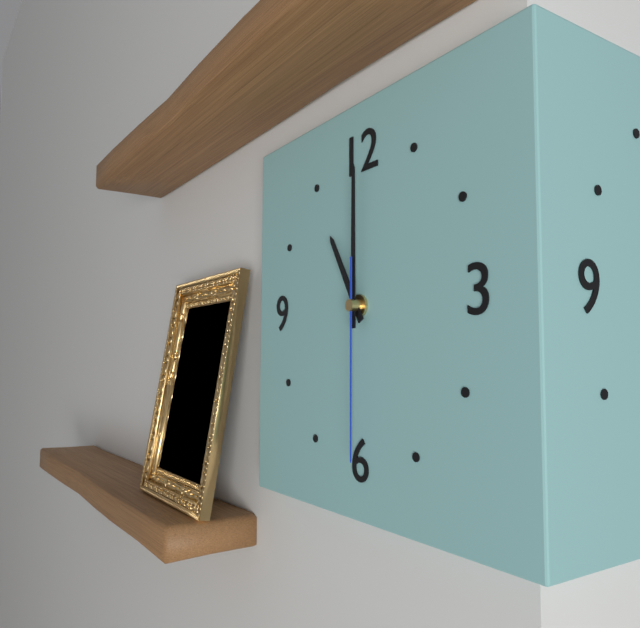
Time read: 11h00m30s
